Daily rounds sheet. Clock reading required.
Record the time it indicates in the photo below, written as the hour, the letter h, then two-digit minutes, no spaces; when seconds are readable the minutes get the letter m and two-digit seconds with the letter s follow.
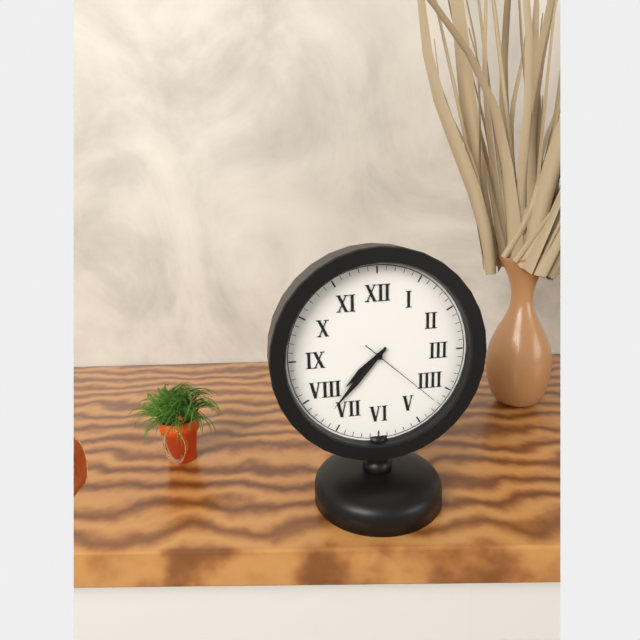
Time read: 7h37m22s
